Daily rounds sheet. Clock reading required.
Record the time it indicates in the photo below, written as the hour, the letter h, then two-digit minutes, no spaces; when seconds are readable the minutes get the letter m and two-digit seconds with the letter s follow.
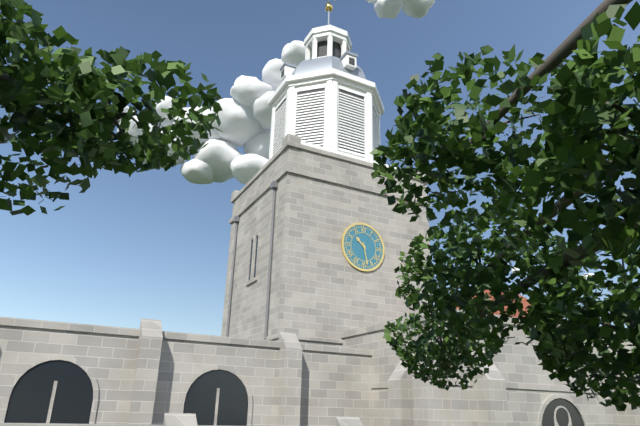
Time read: 10h28
